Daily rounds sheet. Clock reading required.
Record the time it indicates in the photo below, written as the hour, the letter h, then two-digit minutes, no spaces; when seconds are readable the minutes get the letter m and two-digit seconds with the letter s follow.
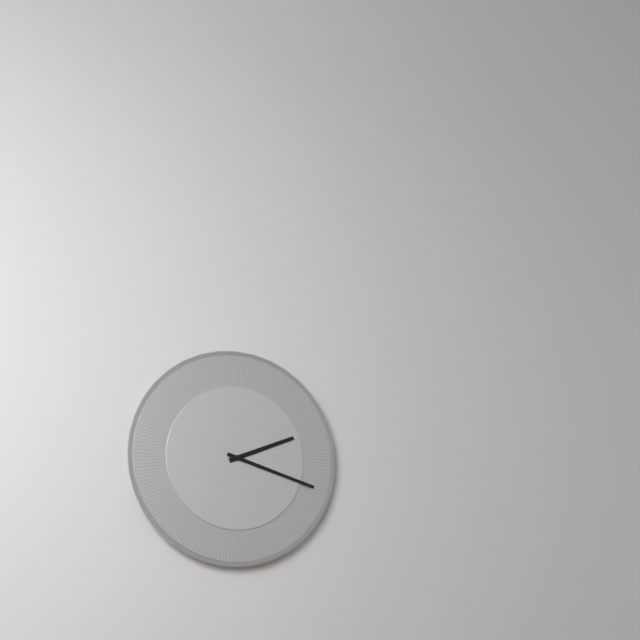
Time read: 2h18
